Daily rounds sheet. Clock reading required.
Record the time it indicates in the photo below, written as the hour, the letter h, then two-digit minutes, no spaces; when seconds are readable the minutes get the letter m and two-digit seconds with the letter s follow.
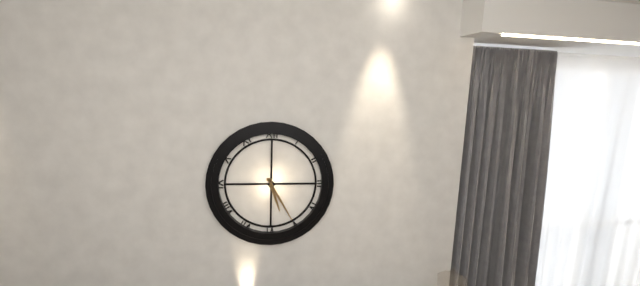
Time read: 5h25
